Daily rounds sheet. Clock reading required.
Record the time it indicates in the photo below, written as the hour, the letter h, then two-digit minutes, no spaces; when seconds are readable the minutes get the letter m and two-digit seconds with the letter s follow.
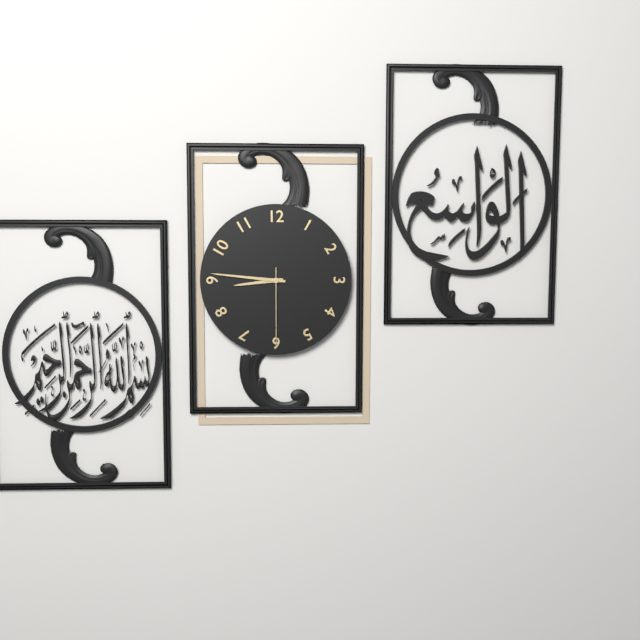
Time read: 8h46m30s
